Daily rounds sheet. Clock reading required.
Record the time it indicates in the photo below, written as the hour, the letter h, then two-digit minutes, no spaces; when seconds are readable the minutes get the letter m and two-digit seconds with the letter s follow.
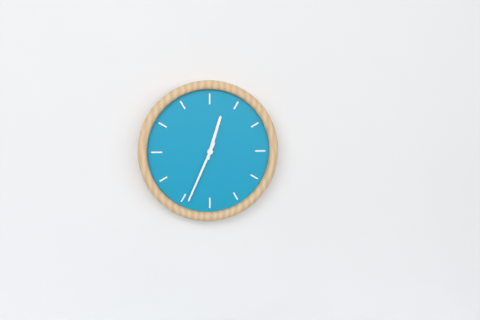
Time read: 12h34
